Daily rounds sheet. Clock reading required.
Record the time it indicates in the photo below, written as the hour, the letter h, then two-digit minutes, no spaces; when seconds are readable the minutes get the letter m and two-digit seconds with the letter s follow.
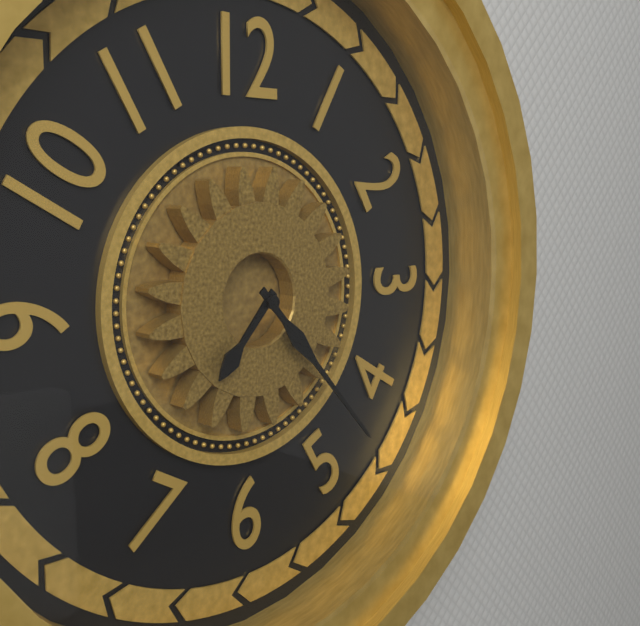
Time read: 7h23
